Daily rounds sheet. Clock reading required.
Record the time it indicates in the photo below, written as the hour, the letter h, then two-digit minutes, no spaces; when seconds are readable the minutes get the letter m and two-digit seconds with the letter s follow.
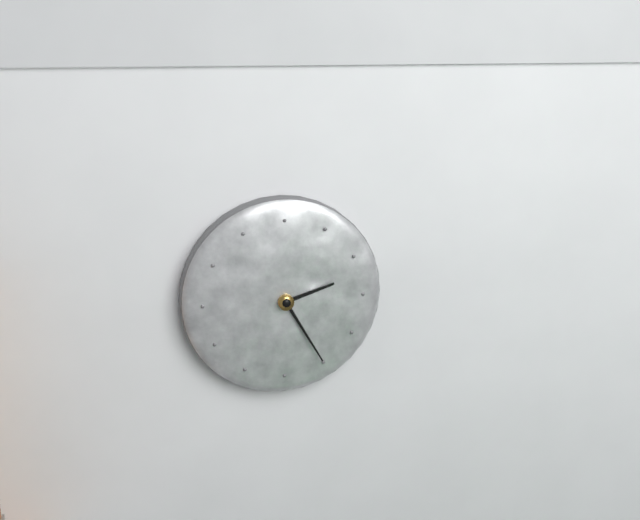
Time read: 2h25
